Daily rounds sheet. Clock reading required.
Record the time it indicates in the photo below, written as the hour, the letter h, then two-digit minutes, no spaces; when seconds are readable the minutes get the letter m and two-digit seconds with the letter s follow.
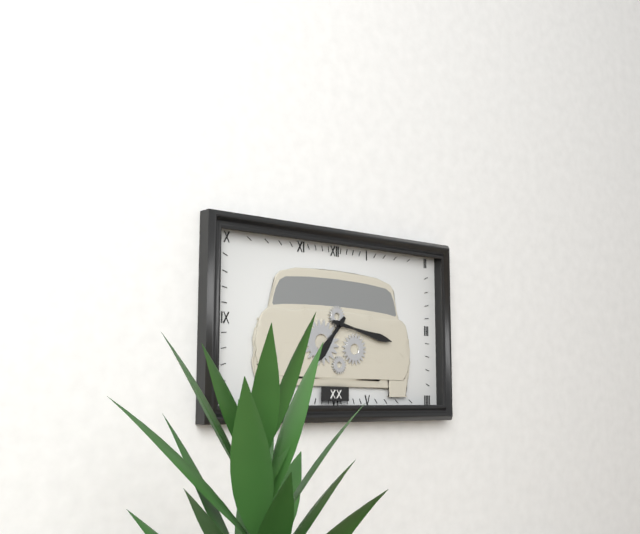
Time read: 7h17
